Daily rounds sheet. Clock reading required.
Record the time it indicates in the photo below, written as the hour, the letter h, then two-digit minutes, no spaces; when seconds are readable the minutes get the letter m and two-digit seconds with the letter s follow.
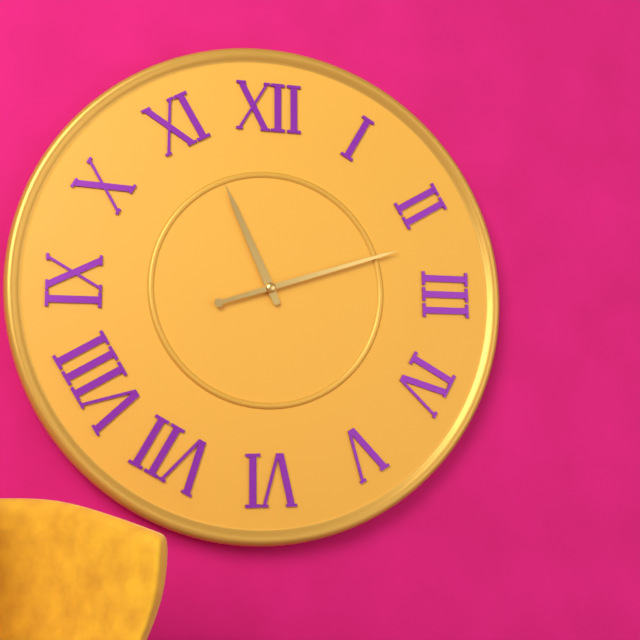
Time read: 11h12
